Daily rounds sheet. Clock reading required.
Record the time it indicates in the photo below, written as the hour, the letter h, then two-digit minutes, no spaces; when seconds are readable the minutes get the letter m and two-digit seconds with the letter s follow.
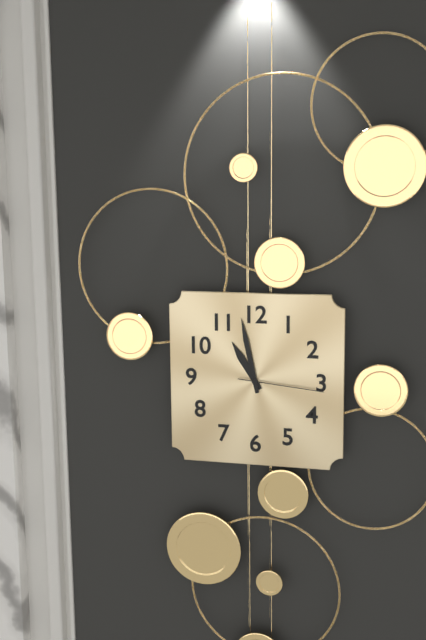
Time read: 10h58m16s
